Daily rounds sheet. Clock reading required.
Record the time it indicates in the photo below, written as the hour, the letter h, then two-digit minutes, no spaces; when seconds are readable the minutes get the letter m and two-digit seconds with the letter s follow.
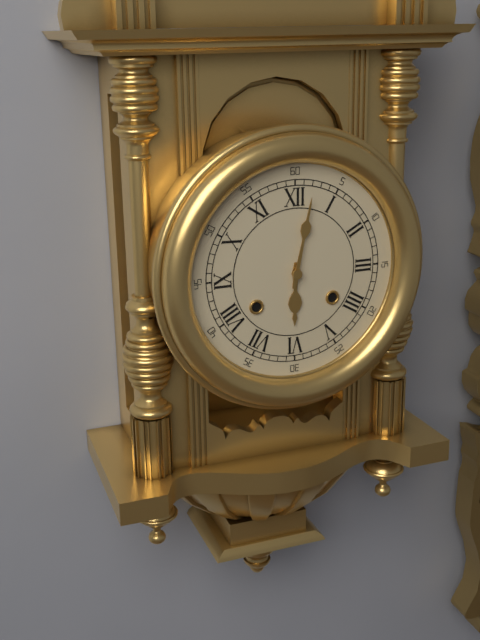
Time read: 6h02
